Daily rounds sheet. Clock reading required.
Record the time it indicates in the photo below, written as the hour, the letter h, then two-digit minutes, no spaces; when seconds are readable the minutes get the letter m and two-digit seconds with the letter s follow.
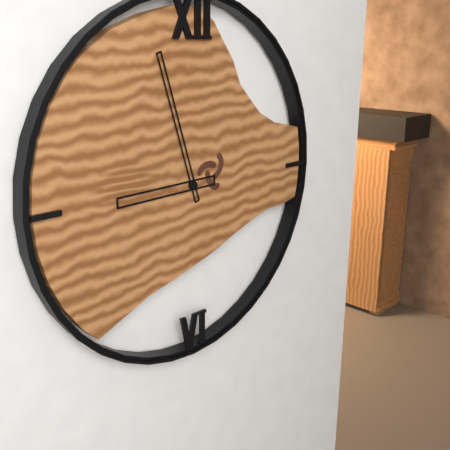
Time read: 8h57
